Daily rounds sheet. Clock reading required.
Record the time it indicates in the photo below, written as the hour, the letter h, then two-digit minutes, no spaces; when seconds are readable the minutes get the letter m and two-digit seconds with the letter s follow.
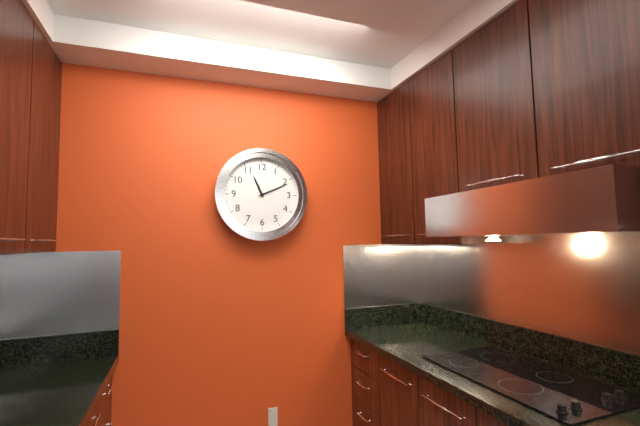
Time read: 11h11
